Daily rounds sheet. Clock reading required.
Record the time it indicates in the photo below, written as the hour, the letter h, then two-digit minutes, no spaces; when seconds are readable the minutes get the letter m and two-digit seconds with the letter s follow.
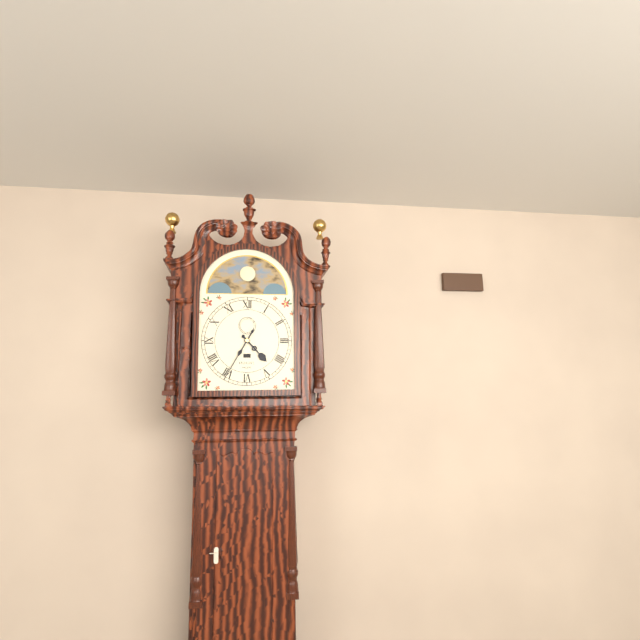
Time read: 4h35
